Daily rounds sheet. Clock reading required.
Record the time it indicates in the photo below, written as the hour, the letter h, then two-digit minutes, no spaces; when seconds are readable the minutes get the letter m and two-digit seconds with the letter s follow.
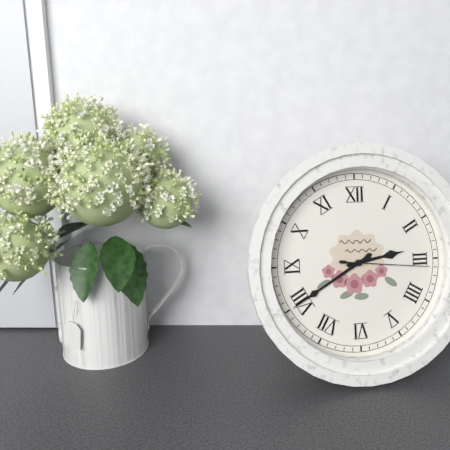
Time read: 2h40m16s
